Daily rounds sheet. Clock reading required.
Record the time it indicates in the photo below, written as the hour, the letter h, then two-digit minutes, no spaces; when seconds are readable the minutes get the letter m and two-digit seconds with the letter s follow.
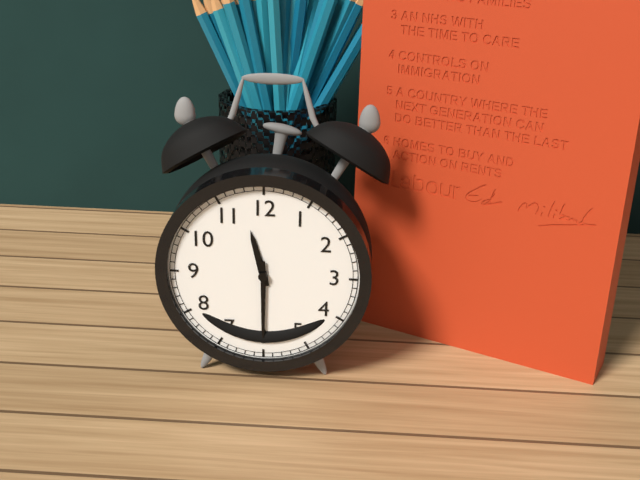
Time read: 11h30
